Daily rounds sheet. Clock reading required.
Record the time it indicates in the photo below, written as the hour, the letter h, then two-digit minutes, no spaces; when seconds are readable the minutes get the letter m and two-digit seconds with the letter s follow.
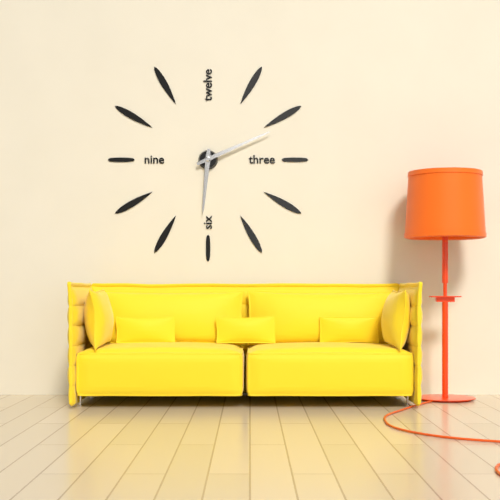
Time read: 6h11
